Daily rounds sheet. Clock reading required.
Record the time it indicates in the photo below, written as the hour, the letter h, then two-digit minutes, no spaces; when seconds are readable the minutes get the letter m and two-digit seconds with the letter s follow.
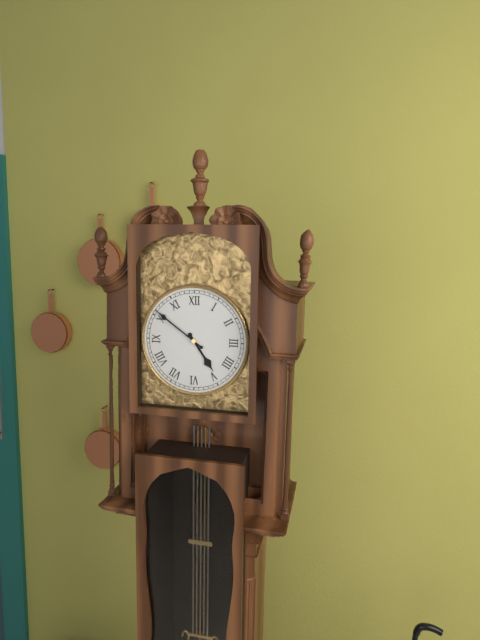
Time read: 4h51
